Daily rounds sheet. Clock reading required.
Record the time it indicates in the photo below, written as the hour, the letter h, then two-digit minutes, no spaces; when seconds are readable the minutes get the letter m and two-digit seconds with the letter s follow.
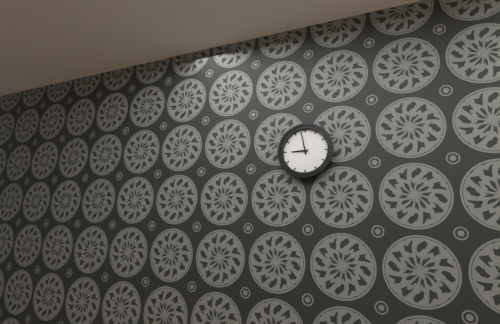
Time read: 8h58
